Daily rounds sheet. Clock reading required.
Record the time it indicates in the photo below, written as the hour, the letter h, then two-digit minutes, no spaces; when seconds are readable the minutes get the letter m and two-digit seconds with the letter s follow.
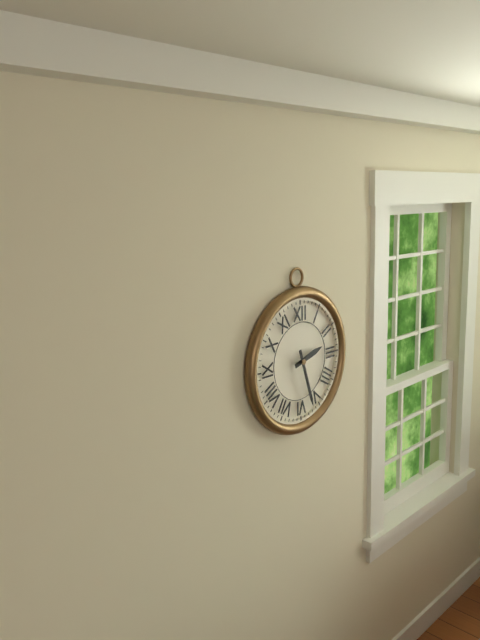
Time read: 2h27
